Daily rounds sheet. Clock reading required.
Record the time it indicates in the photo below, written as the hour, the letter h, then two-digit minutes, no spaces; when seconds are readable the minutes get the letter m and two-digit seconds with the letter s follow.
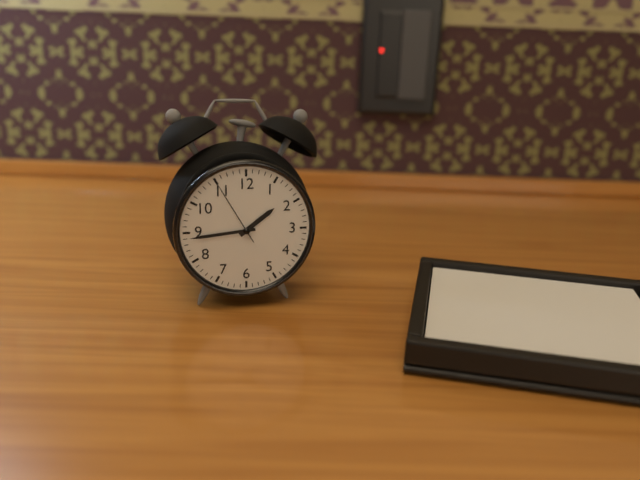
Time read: 1h44m55s
